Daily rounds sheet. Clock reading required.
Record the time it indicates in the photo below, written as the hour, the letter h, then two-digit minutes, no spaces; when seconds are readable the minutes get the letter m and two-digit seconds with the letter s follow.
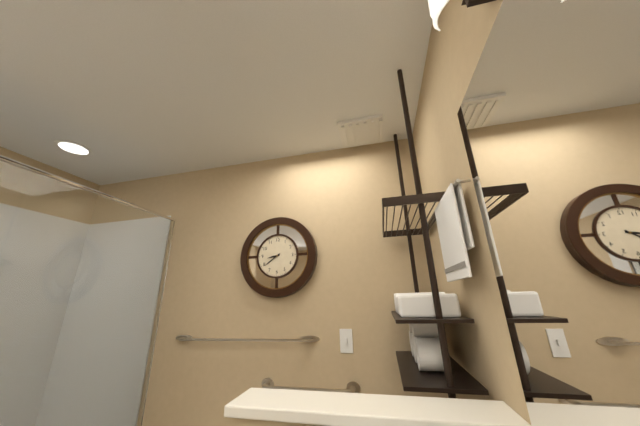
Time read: 8h39
